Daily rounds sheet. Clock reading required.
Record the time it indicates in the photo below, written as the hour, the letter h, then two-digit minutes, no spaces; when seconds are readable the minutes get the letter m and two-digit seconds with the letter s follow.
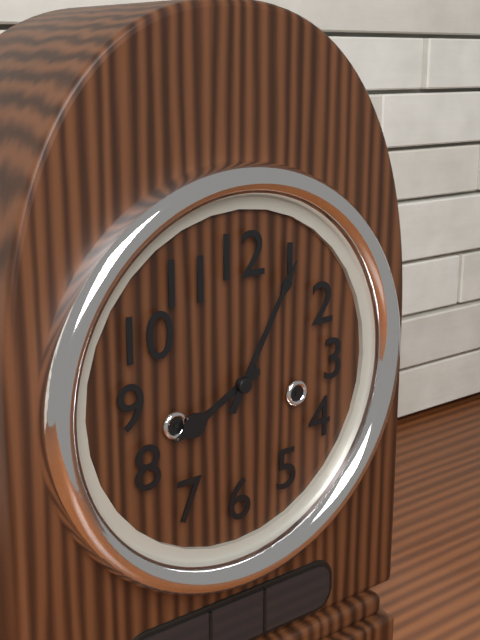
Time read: 8h05
